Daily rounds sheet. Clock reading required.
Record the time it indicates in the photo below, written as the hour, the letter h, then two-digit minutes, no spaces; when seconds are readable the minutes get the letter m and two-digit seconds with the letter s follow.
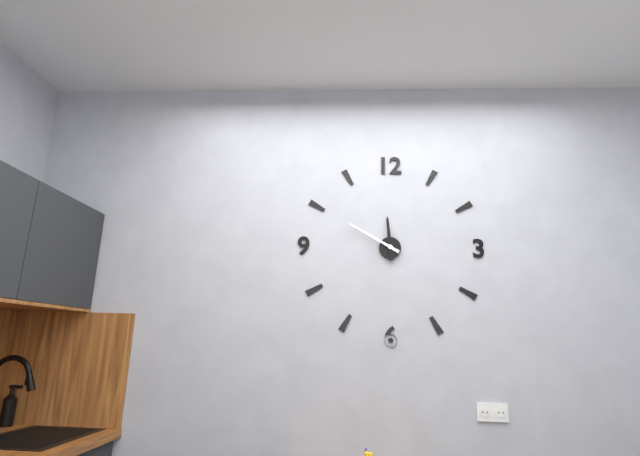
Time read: 11h50
